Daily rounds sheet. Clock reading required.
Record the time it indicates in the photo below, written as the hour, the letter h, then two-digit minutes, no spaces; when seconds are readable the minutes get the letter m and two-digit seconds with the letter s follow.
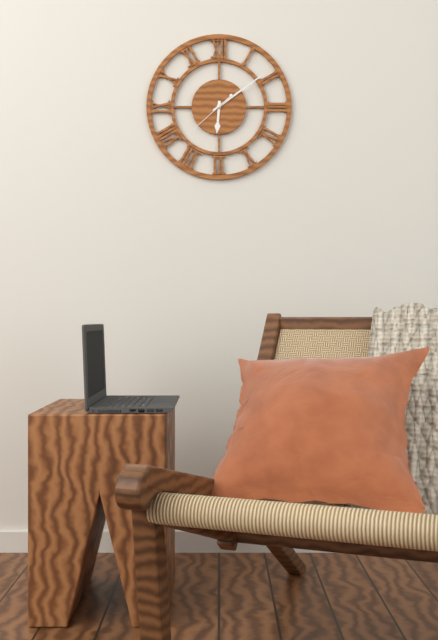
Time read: 6h09
